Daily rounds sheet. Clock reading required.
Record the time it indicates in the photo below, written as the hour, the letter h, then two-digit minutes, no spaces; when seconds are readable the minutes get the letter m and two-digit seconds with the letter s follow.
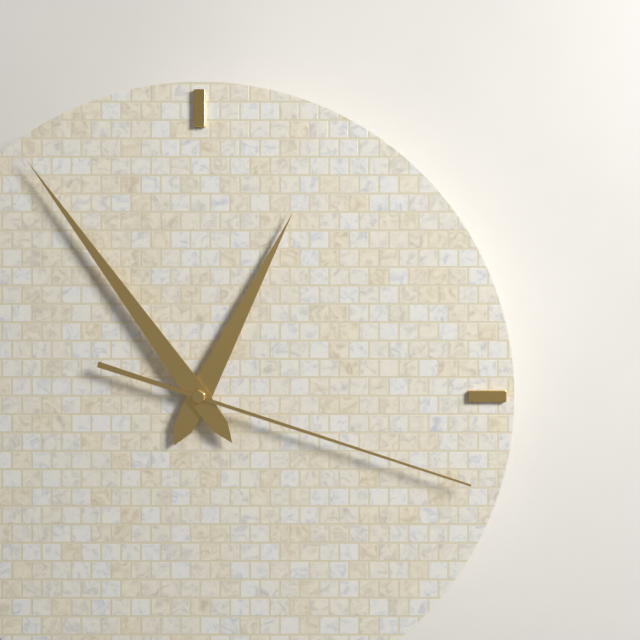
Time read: 12h54m18s
